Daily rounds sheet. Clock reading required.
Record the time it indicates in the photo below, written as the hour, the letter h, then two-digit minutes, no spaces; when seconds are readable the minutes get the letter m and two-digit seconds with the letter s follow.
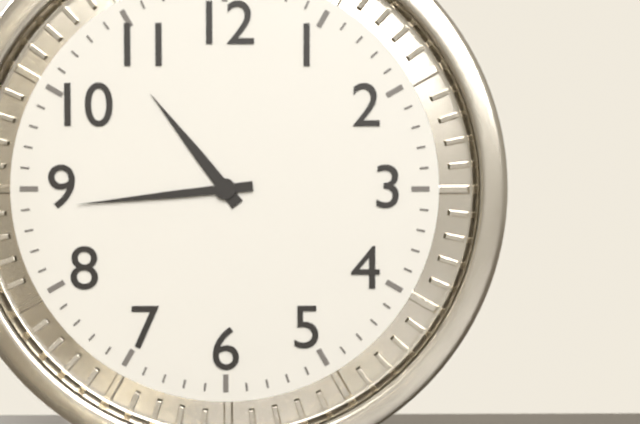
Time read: 10h44
